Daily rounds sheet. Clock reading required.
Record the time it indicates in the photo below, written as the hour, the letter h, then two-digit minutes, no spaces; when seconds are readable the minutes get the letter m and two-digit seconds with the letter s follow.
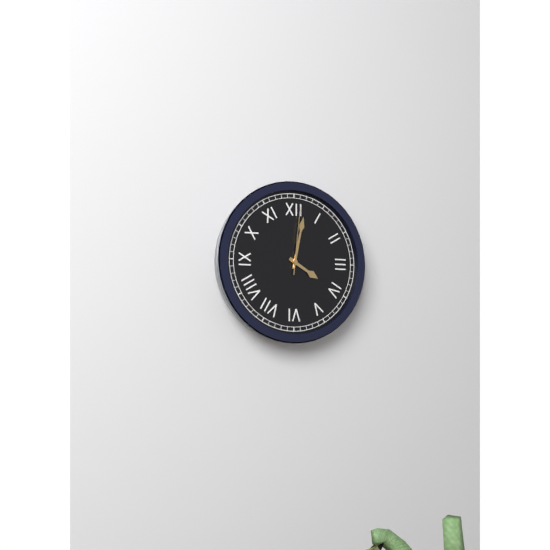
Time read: 4h02m01s
